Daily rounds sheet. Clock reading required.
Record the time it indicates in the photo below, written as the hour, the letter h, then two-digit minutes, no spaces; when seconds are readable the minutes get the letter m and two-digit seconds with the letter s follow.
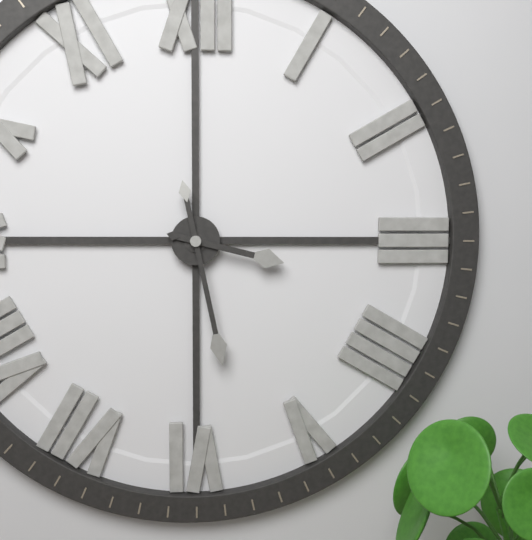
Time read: 3h28
